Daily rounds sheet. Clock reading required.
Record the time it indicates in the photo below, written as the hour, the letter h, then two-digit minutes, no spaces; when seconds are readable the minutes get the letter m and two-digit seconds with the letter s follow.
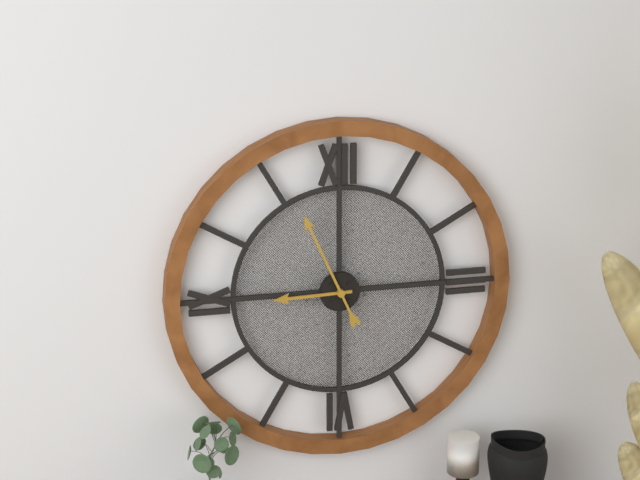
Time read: 8h56
